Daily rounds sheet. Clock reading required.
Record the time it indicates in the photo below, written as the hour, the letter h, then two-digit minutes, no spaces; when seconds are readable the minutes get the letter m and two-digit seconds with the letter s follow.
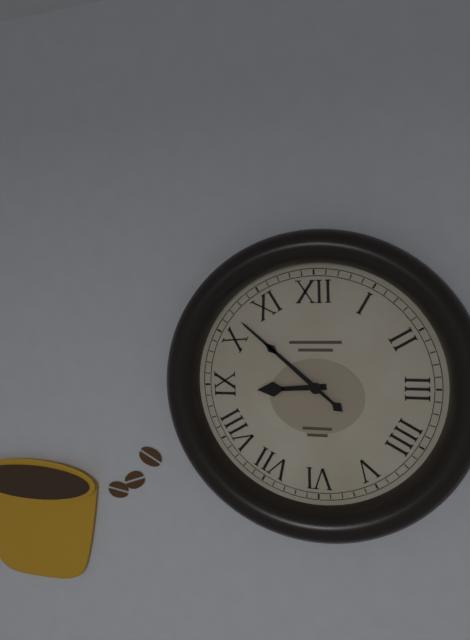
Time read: 8h52
